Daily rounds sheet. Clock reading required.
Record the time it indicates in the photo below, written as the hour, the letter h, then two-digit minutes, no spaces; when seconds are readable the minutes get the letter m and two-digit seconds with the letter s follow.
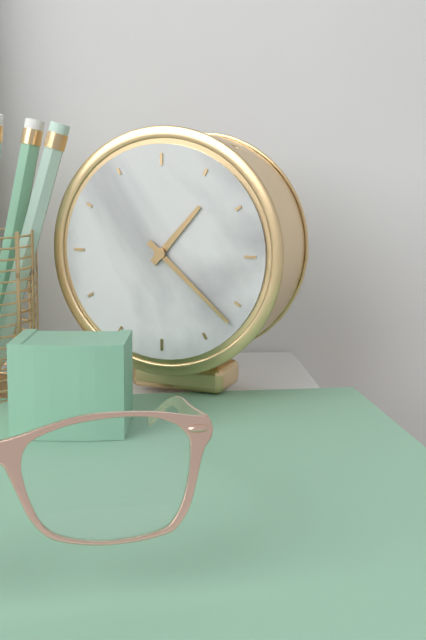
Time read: 1h22
